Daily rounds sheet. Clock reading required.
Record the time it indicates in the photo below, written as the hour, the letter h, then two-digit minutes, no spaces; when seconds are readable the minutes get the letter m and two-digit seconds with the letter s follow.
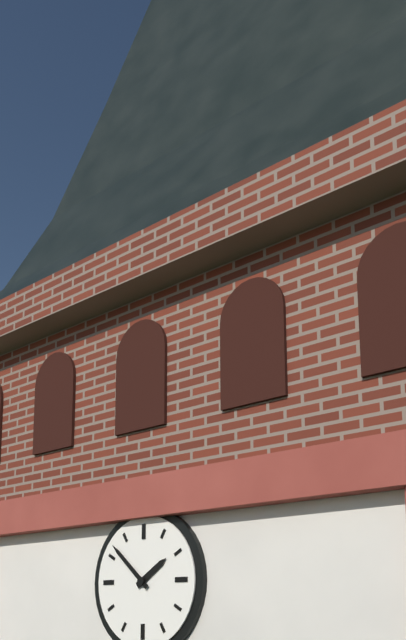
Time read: 1h52
